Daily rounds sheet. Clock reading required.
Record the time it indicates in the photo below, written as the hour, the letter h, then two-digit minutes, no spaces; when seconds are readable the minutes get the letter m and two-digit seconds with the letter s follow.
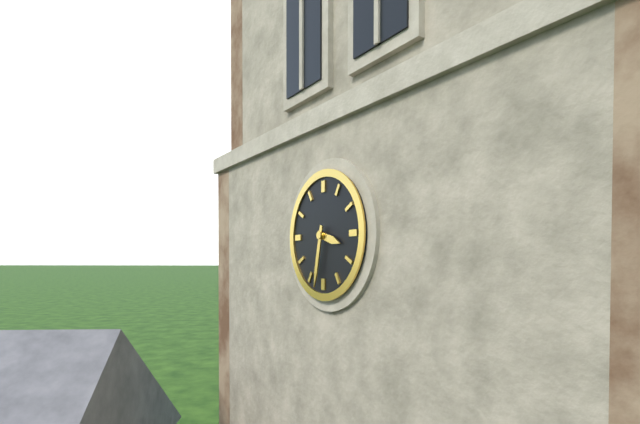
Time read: 3h32
